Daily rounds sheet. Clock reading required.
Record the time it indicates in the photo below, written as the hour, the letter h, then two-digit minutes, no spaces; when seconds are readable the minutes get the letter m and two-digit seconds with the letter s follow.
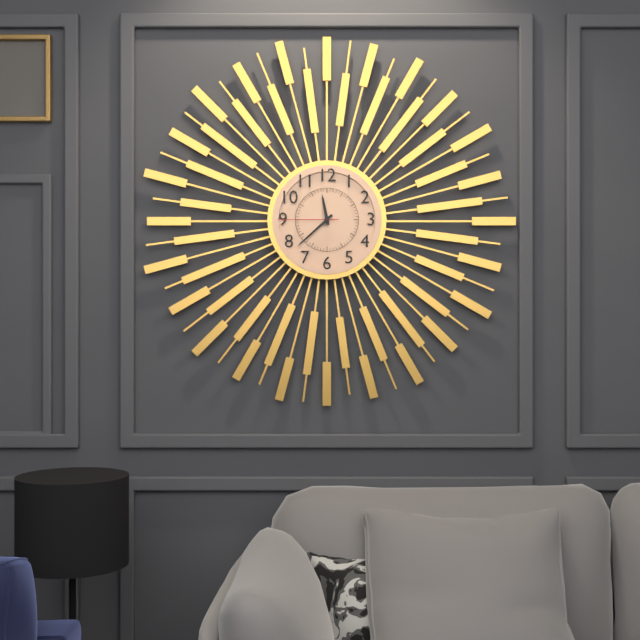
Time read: 11h38m45s
